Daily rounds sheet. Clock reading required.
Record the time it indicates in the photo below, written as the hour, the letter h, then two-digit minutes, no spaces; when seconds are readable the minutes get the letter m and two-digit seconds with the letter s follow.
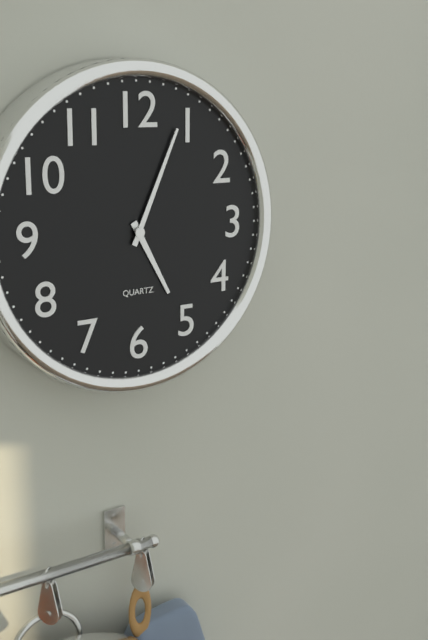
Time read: 5h04
